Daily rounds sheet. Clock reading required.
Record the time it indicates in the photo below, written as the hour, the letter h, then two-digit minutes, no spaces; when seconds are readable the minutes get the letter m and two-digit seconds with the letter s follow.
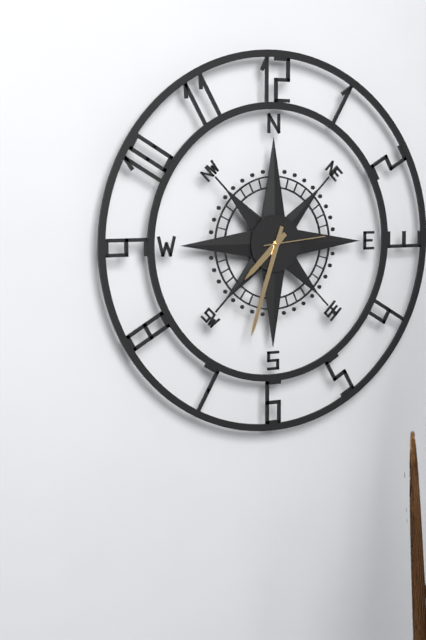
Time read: 7h33m14s
